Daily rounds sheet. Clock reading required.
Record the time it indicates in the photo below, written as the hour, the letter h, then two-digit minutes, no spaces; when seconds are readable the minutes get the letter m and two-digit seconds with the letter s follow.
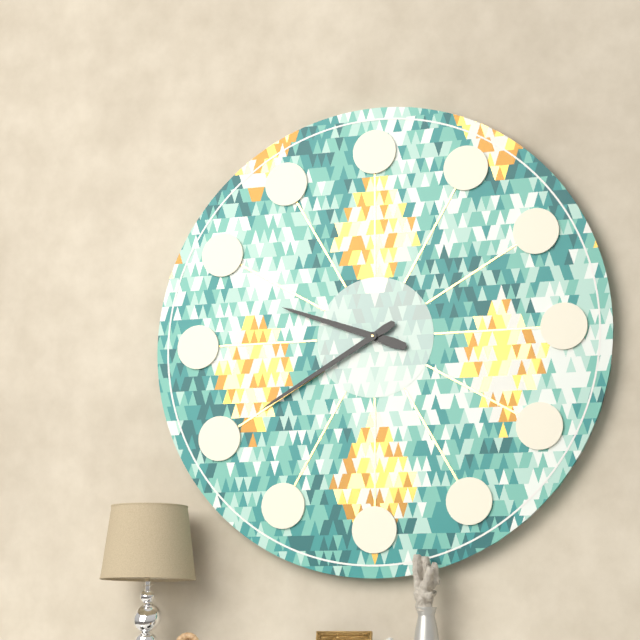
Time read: 9h40
